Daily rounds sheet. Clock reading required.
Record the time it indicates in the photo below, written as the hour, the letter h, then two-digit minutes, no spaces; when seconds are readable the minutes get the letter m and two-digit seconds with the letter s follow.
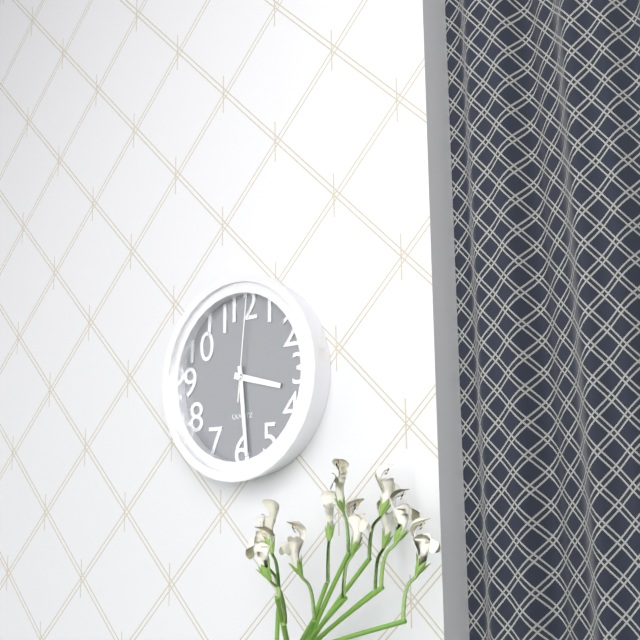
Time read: 3h29m01s
